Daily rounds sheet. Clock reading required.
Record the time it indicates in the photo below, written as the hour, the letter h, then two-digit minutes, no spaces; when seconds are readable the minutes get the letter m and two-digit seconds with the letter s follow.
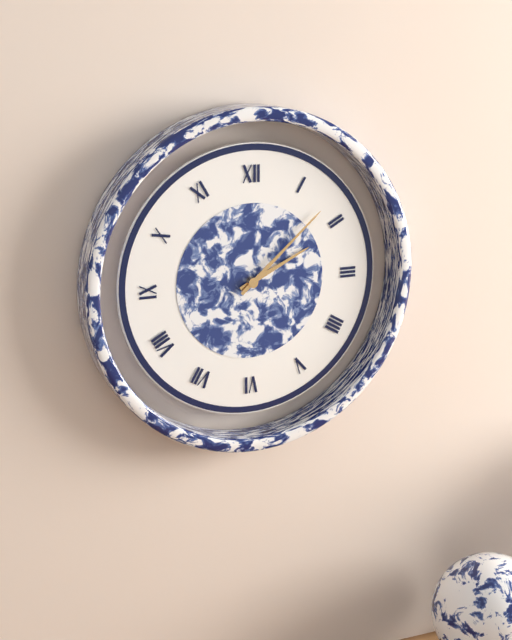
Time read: 2h08
